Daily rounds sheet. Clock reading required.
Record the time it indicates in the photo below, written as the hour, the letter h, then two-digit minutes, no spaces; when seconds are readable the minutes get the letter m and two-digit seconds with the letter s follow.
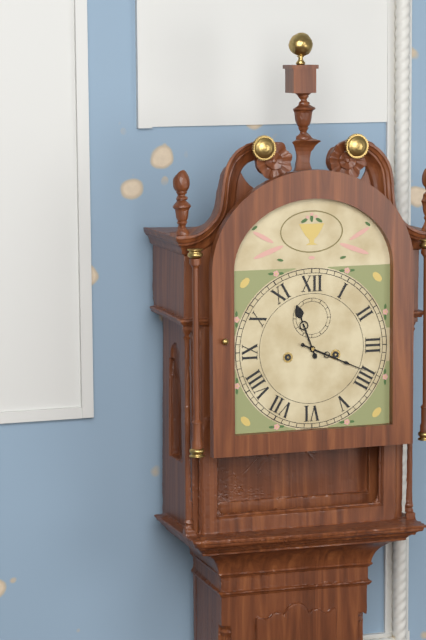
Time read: 11h19
